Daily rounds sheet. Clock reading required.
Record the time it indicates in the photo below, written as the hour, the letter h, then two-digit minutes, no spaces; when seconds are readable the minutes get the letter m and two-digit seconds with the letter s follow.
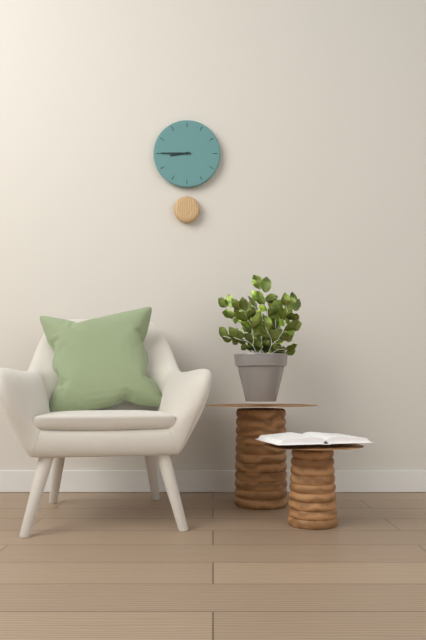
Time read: 8h45
